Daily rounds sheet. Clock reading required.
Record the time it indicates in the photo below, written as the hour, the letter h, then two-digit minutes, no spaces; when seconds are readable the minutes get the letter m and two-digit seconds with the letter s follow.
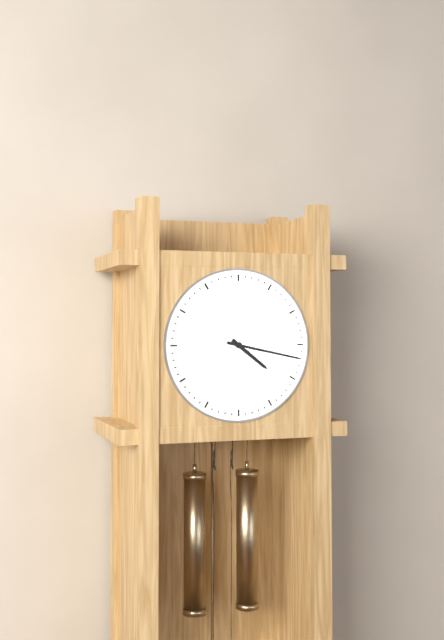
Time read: 4h17
